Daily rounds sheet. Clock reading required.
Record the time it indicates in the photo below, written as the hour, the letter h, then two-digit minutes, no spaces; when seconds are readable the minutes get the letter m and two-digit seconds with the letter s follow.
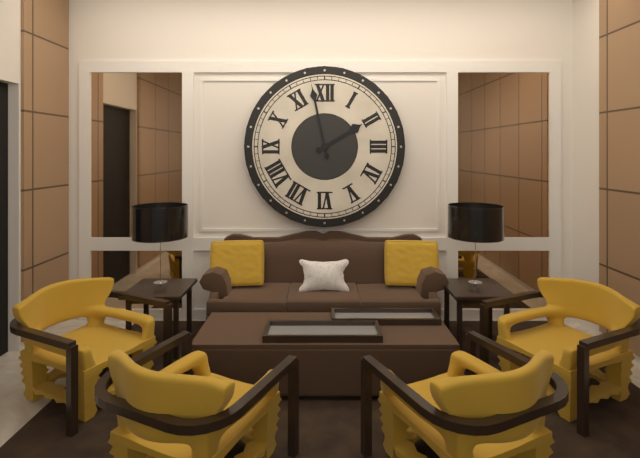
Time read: 1h58
